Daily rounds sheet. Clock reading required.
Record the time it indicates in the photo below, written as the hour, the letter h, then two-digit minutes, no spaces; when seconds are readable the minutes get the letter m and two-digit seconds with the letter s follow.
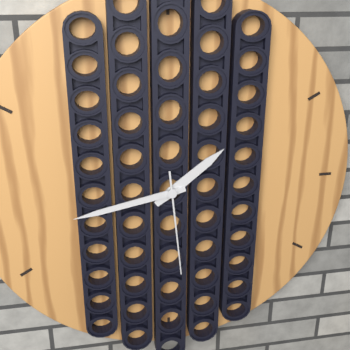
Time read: 1h43m29s
